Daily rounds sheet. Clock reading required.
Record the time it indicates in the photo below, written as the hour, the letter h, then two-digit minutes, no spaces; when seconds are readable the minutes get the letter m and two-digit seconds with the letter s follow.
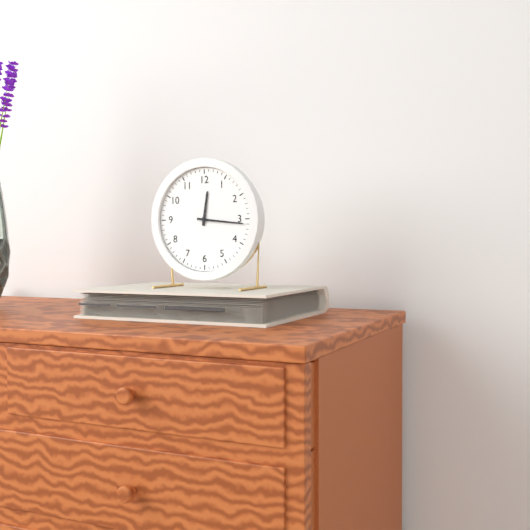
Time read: 12h16
